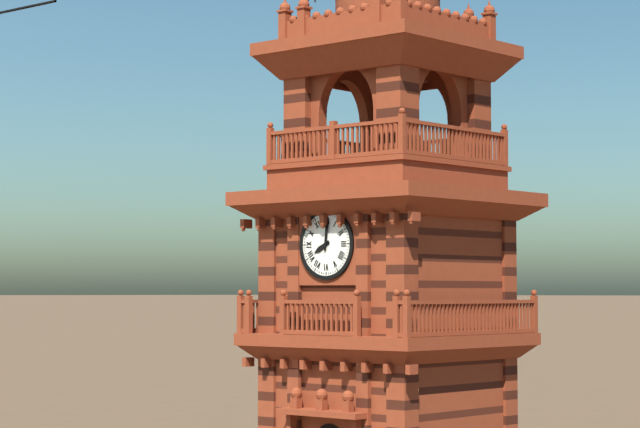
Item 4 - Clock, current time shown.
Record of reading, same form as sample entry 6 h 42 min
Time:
8 h 01 min
